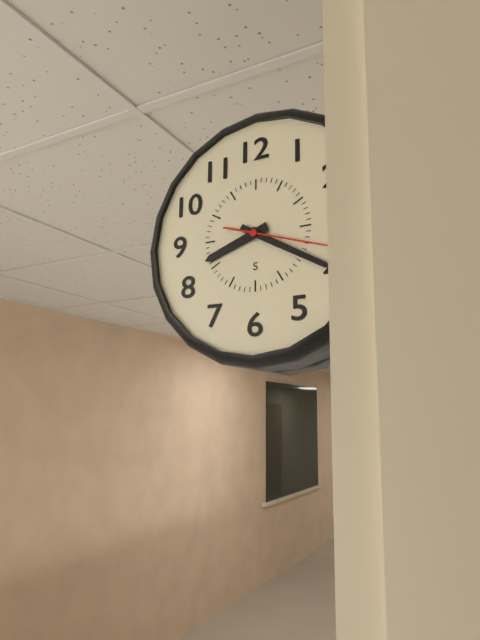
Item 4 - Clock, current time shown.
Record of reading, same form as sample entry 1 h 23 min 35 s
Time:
8 h 20 min 18 s
